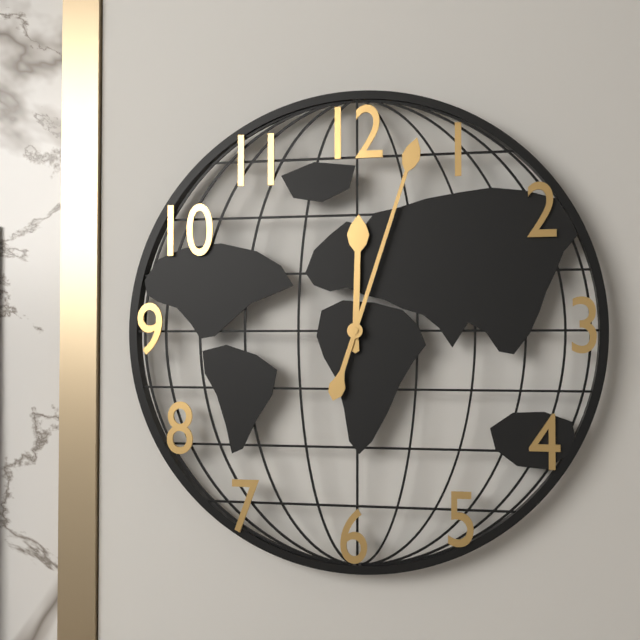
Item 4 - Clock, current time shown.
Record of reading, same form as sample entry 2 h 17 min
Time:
12 h 03 min
